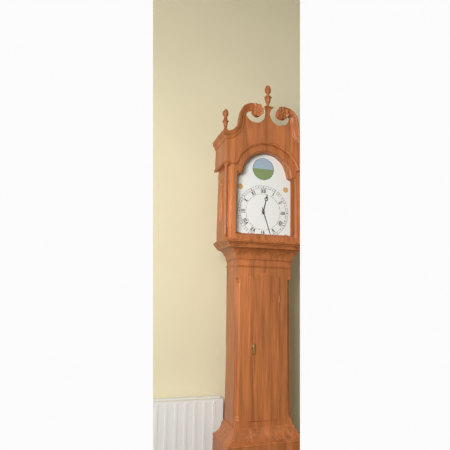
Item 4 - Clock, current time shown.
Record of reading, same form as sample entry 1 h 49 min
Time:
12 h 27 min
